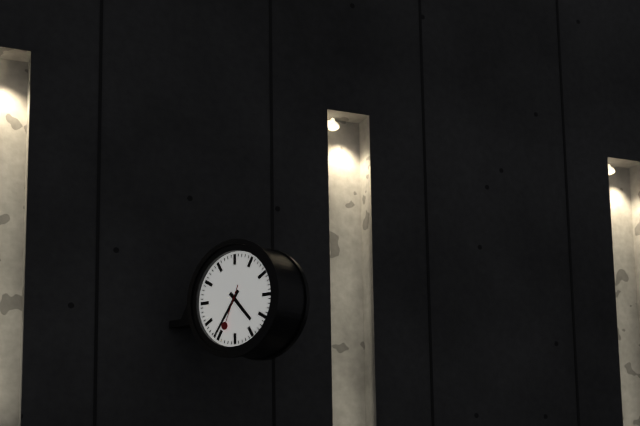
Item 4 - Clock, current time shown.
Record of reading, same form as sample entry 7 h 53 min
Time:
4 h 36 min
